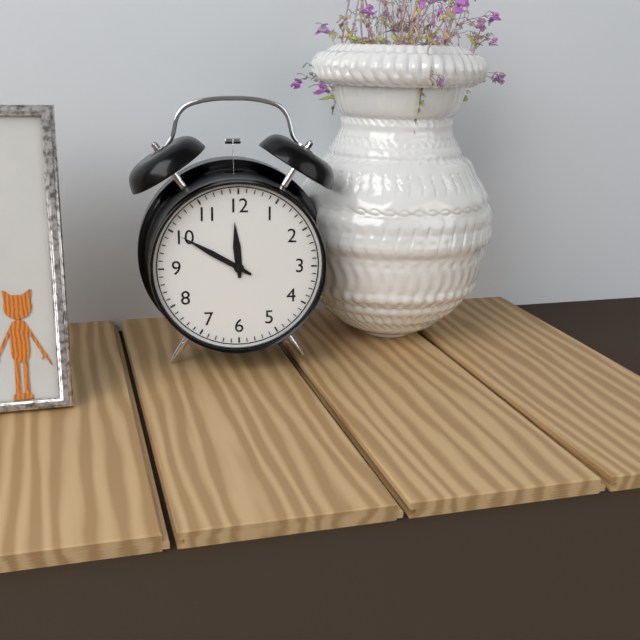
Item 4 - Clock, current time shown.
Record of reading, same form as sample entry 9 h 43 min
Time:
11 h 50 min
